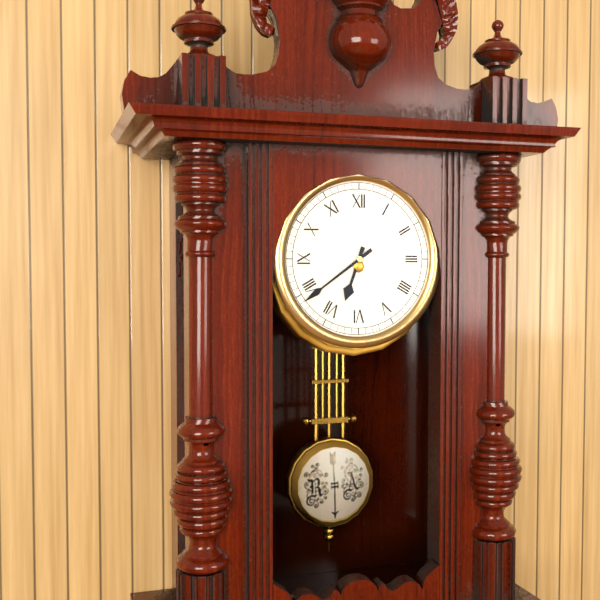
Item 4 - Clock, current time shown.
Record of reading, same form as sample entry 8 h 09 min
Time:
6 h 39 min
